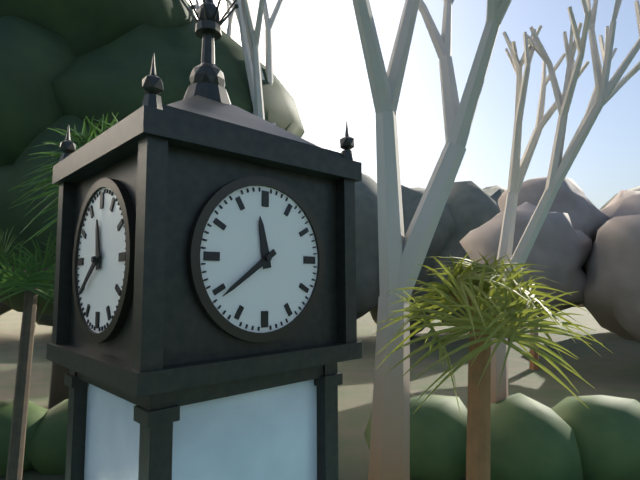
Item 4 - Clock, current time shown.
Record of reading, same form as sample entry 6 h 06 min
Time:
11 h 39 min
